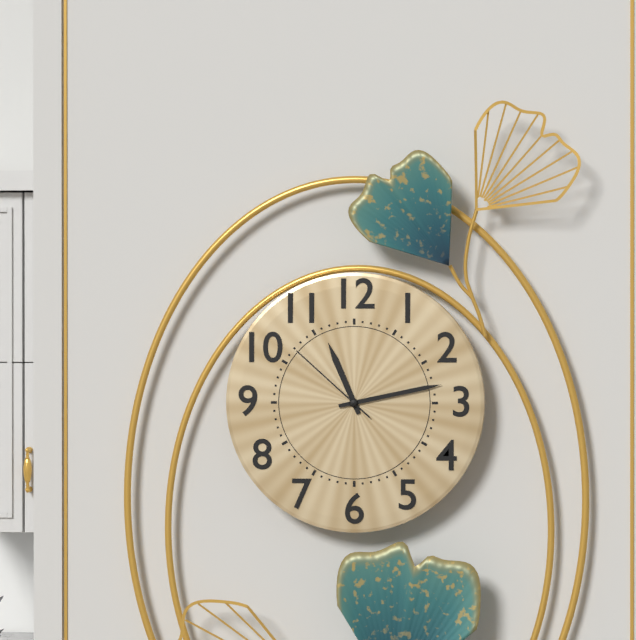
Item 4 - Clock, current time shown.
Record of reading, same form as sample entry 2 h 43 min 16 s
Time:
11 h 13 min 52 s
